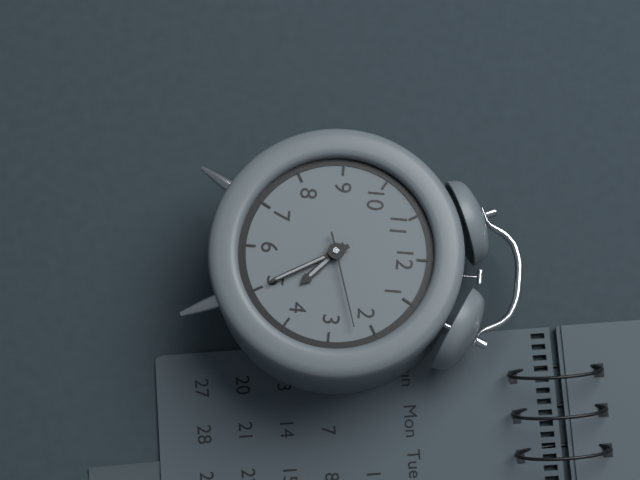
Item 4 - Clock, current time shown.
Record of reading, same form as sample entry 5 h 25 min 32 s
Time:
4 h 25 min 12 s
